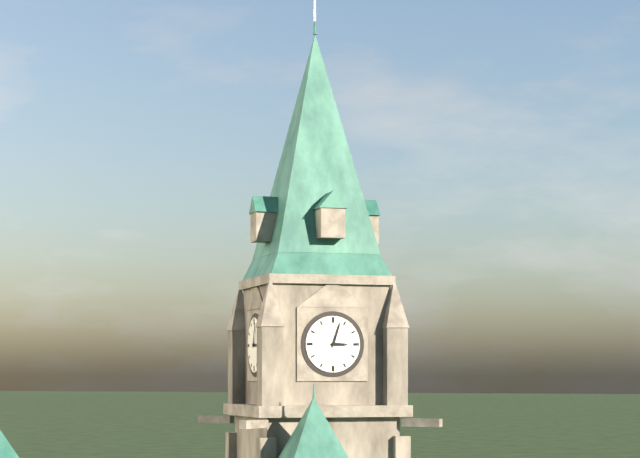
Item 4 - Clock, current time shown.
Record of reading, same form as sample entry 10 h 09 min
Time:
3 h 03 min
